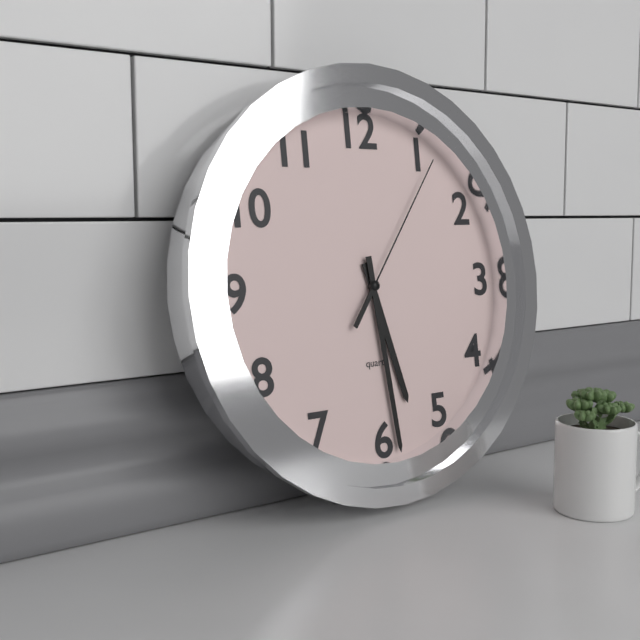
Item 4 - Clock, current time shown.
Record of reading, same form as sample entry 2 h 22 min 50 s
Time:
5 h 29 min 06 s
